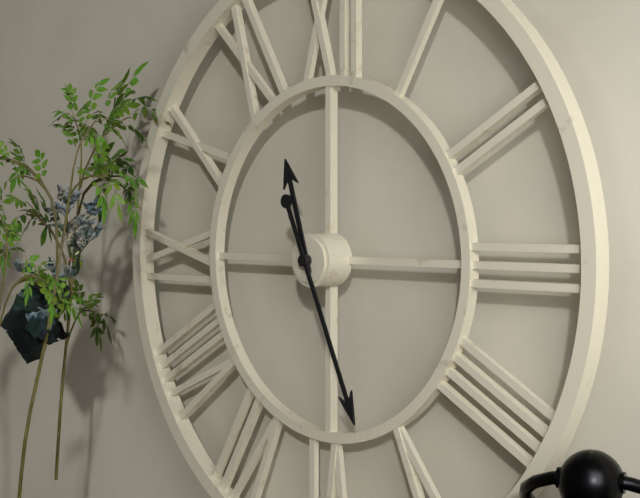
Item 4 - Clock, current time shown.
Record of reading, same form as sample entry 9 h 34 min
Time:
11 h 26 min
